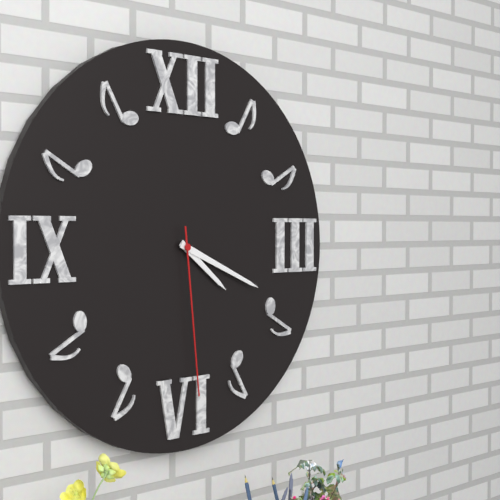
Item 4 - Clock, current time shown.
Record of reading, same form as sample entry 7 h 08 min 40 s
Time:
4 h 19 min 29 s
